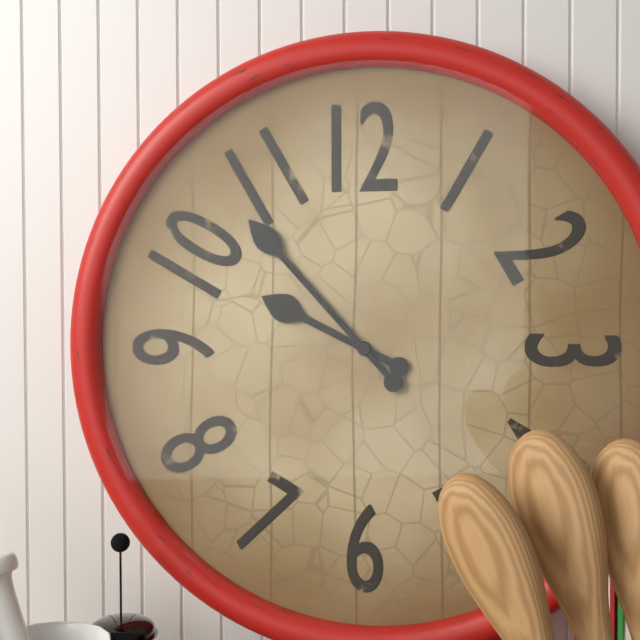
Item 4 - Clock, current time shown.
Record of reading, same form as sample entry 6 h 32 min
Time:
9 h 53 min
